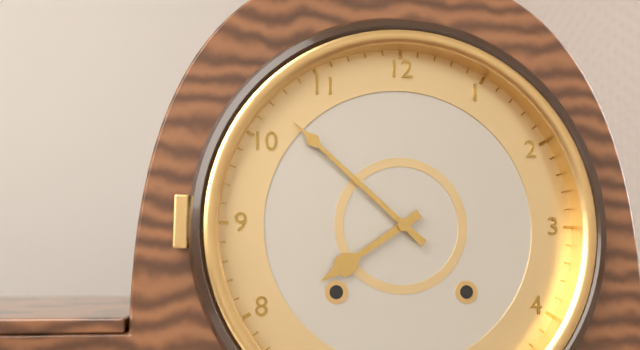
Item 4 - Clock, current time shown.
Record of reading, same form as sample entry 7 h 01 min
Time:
7 h 52 min
